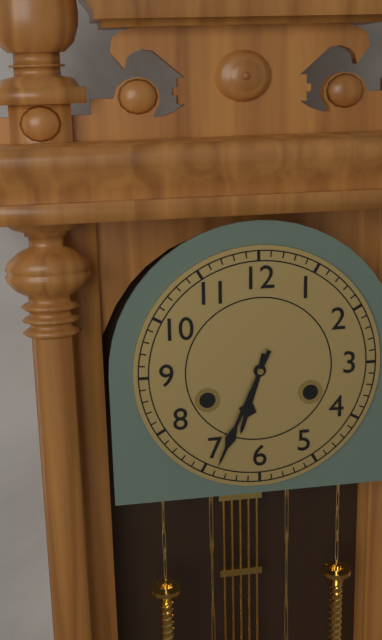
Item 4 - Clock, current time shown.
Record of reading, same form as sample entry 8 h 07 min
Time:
6 h 34 min
